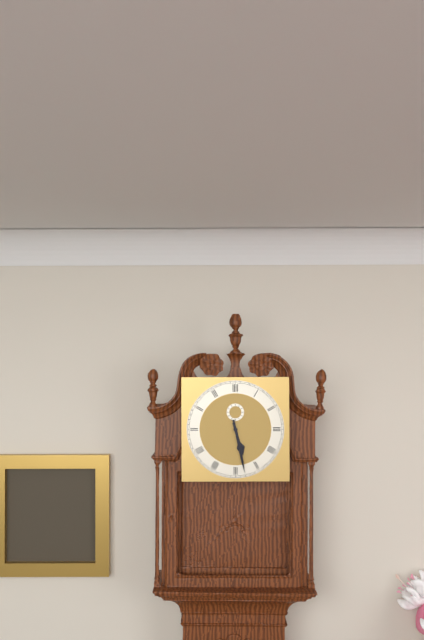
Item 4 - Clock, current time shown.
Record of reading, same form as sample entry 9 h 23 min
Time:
5 h 28 min
